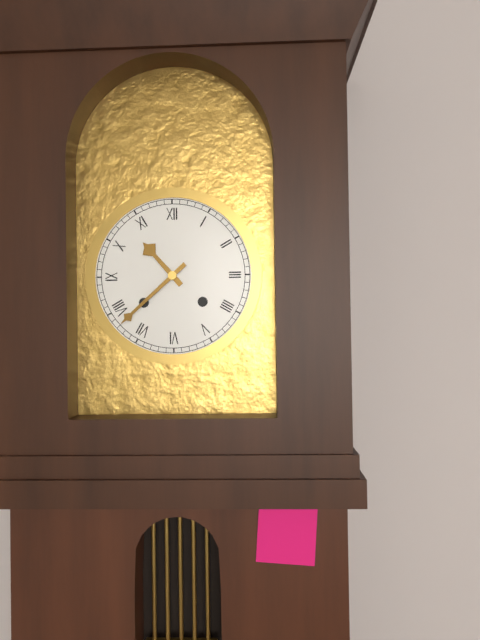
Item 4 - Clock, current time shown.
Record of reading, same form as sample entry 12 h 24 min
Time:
10 h 38 min
